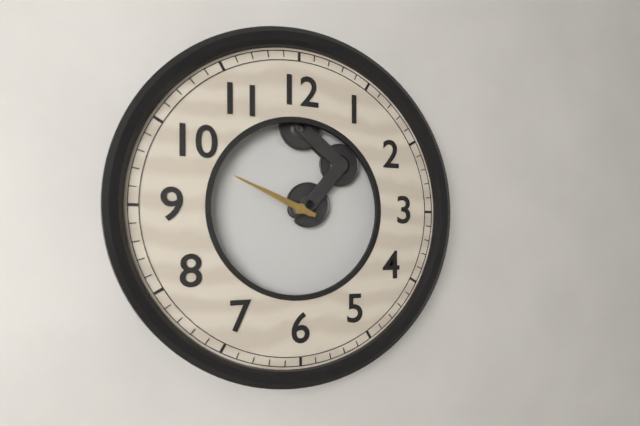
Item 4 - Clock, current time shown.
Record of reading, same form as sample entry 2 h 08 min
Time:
9 h 49 min
